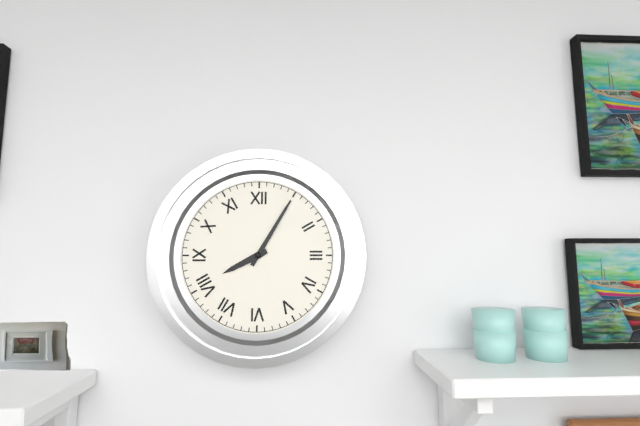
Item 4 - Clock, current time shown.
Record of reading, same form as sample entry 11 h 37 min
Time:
8 h 05 min
